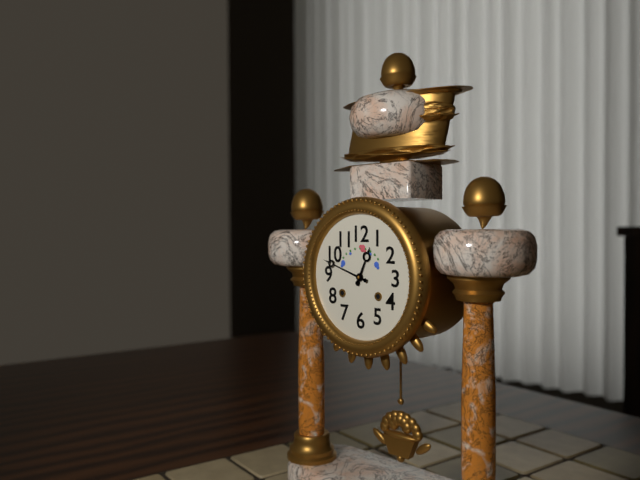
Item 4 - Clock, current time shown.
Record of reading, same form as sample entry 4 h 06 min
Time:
12 h 48 min
